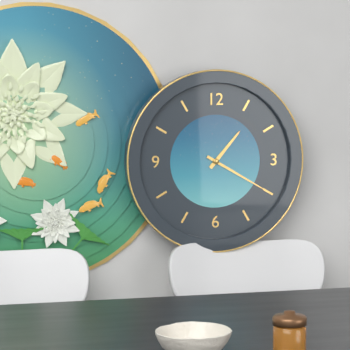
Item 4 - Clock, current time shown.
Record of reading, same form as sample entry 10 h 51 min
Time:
1 h 20 min
